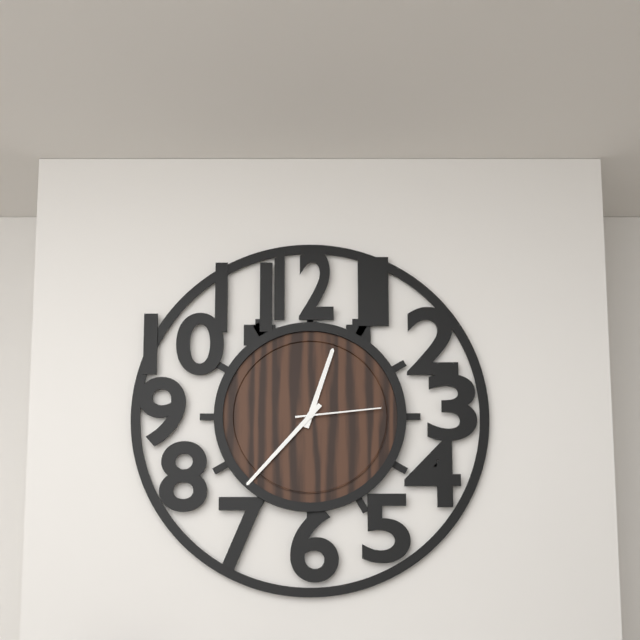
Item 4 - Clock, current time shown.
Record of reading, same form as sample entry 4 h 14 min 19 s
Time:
12 h 37 min 14 s
